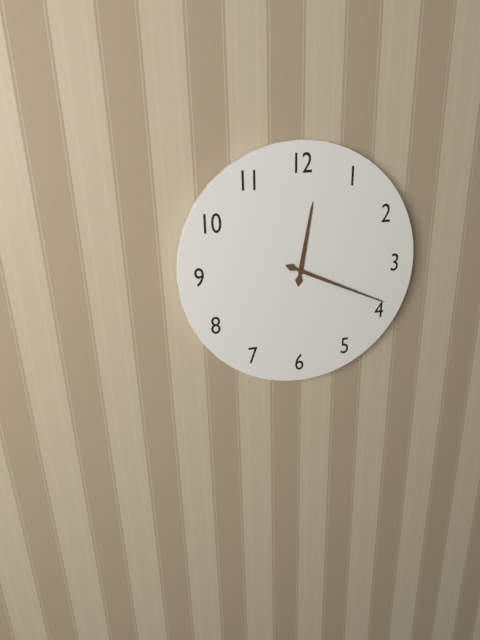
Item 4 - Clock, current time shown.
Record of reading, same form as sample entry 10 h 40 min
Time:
12 h 19 min
